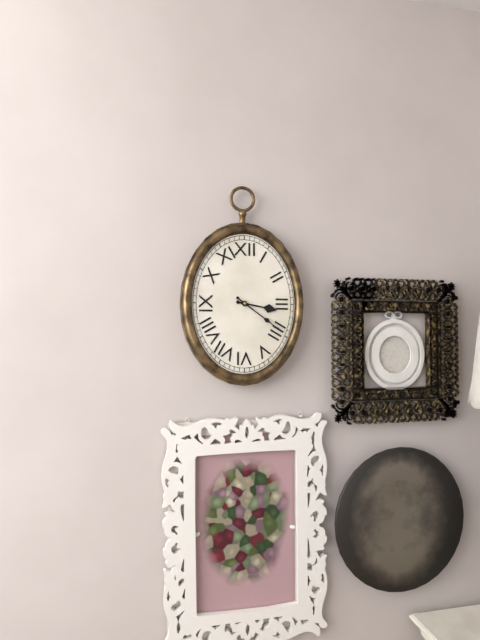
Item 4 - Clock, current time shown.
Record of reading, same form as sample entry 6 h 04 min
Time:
3 h 21 min
